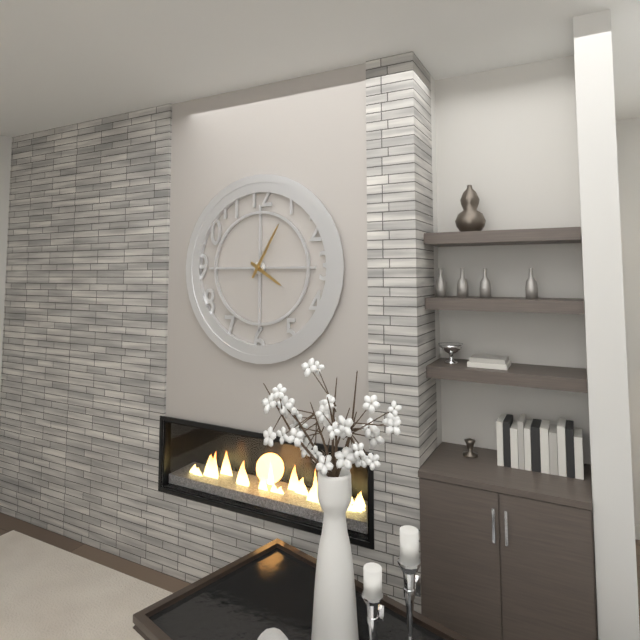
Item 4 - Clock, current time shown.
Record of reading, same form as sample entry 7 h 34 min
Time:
4 h 05 min
